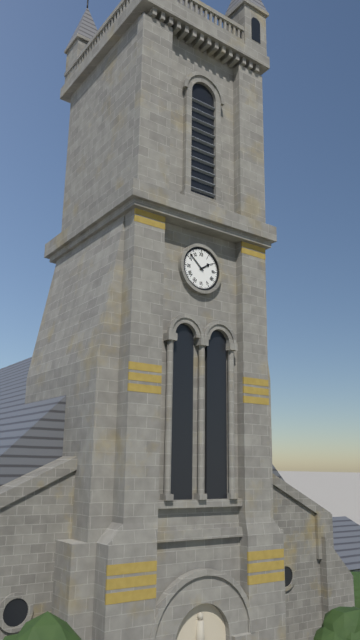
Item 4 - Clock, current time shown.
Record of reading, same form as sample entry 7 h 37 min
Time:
1 h 52 min
